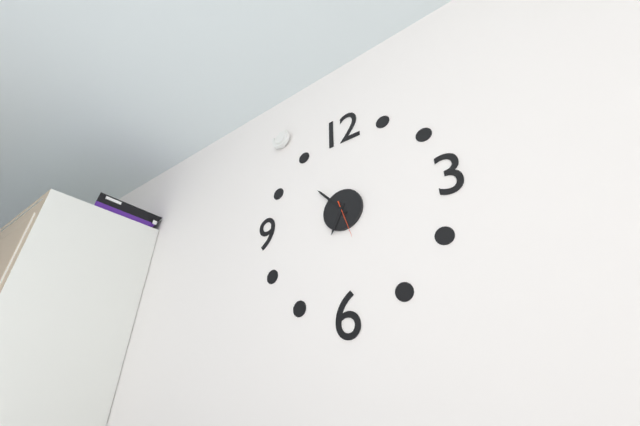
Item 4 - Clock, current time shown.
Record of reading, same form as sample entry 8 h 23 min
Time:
6 h 53 min
